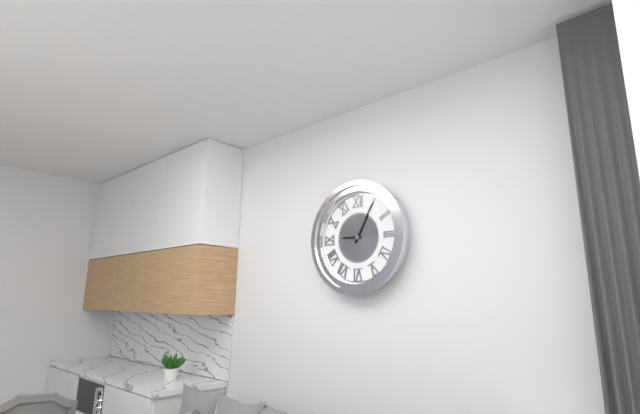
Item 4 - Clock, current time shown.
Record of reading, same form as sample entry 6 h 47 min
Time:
9 h 05 min
